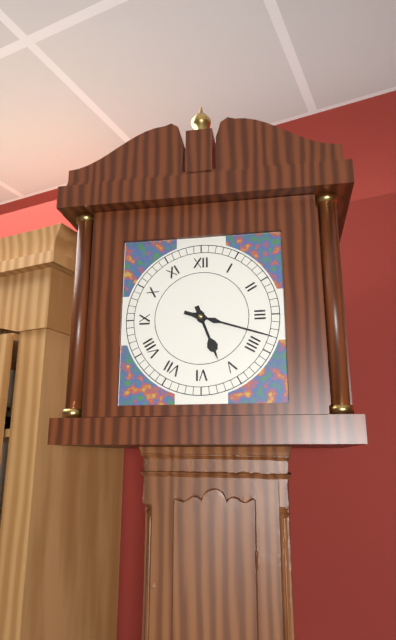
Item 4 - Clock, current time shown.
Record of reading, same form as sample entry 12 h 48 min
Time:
5 h 18 min
